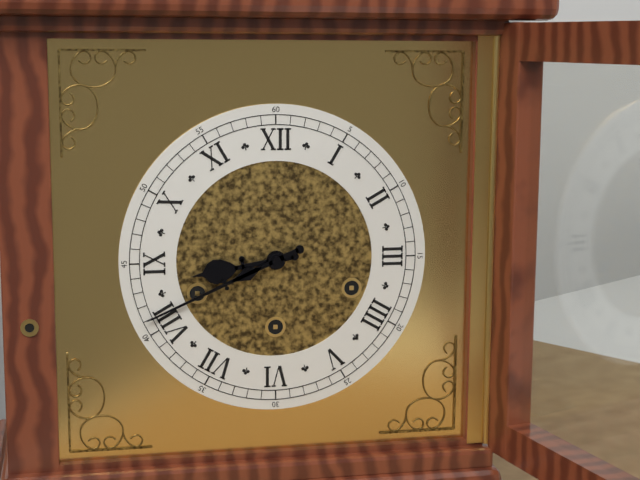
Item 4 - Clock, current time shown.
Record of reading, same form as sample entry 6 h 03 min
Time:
8 h 41 min
